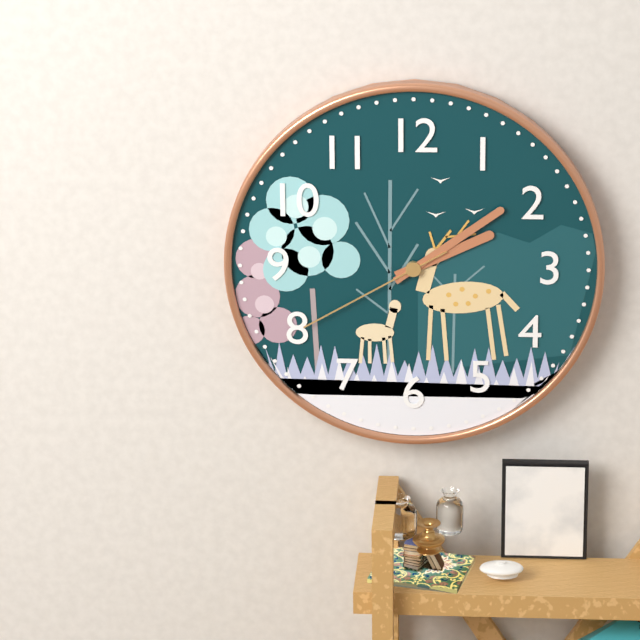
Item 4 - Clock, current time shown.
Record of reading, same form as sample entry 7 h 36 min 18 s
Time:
2 h 09 min 40 s
